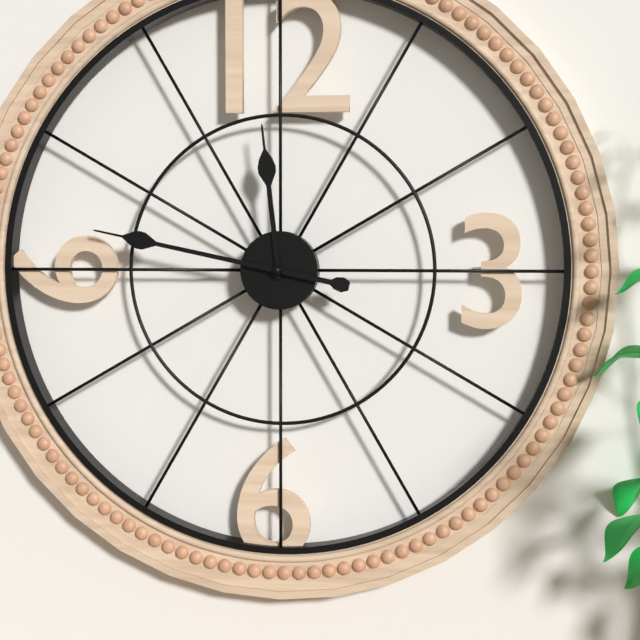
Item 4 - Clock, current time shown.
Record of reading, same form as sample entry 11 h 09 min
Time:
11 h 47 min
